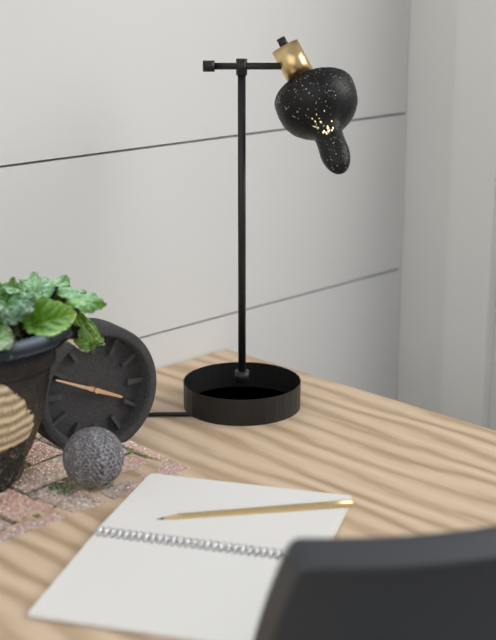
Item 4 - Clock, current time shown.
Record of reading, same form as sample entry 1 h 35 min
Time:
3 h 49 min
